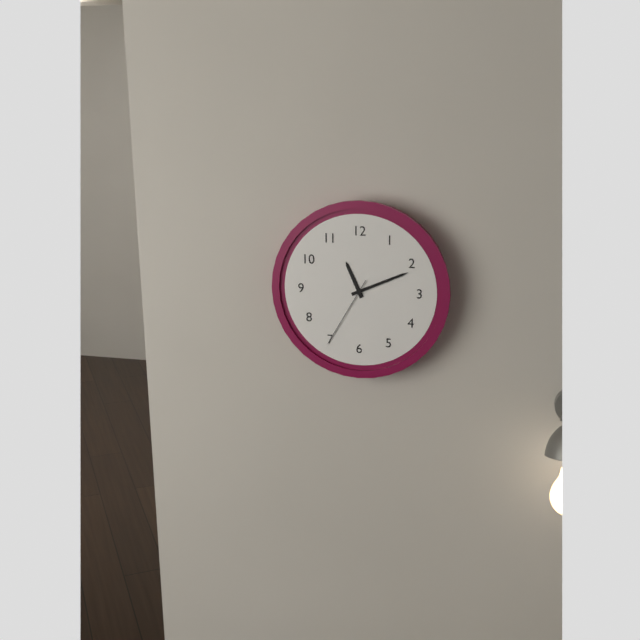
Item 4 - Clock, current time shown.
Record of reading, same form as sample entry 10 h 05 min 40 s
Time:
11 h 11 min 35 s
